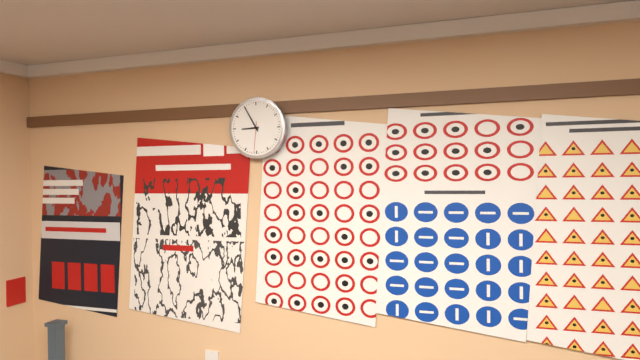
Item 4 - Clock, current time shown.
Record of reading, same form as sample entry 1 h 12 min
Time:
8 h 55 min
